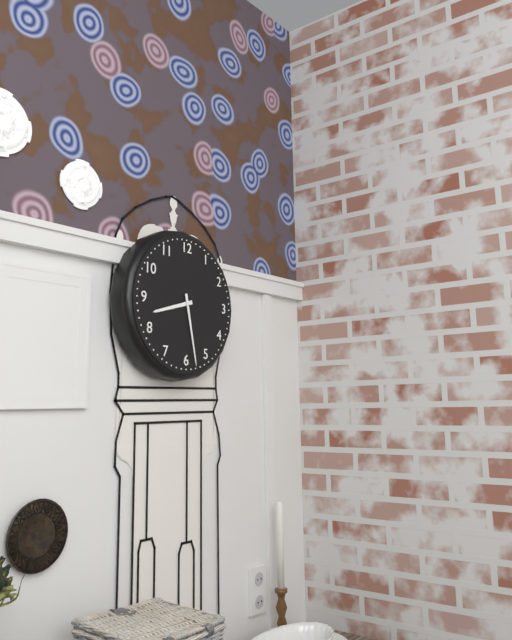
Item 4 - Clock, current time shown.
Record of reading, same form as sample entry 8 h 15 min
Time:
8 h 28 min
